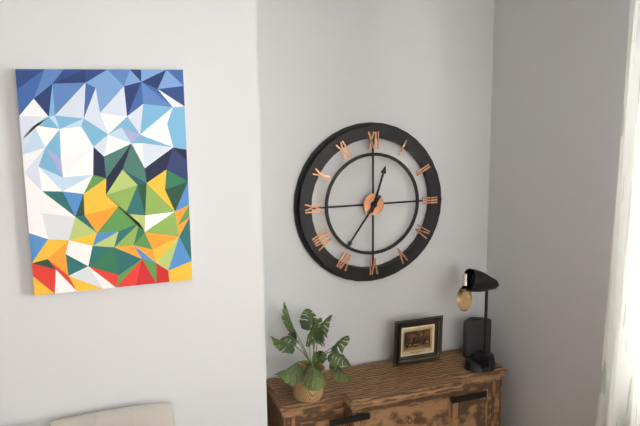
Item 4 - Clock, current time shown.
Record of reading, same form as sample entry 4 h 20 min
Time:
12 h 36 min
